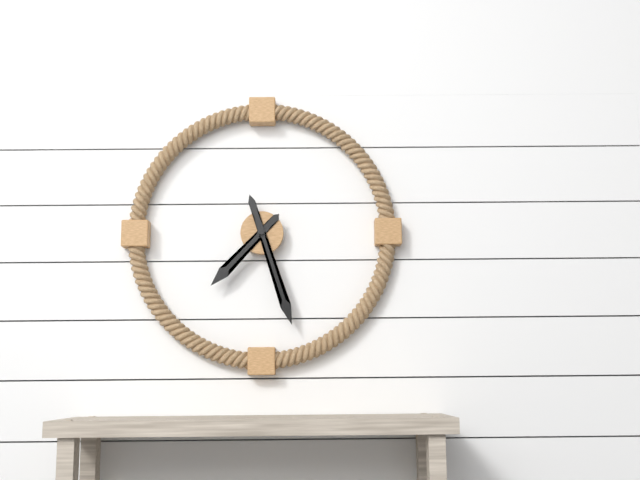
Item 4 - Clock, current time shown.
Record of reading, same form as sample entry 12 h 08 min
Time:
7 h 27 min
